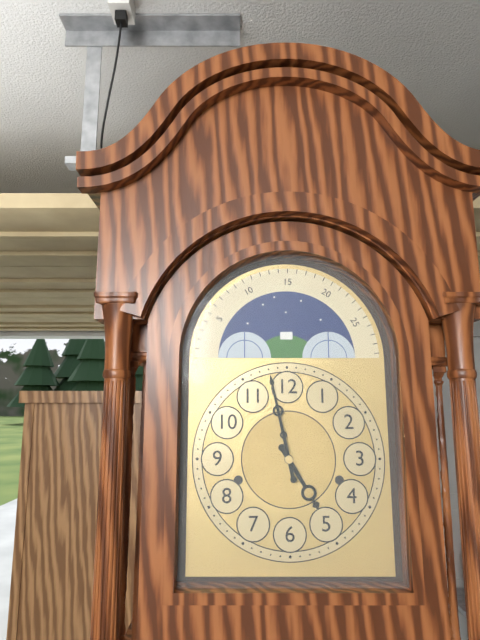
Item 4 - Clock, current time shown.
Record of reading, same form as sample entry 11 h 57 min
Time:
4 h 58 min
